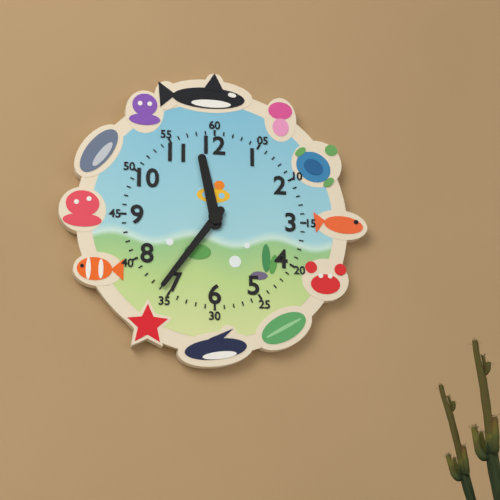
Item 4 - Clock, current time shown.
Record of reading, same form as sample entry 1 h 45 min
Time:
11 h 36 min
